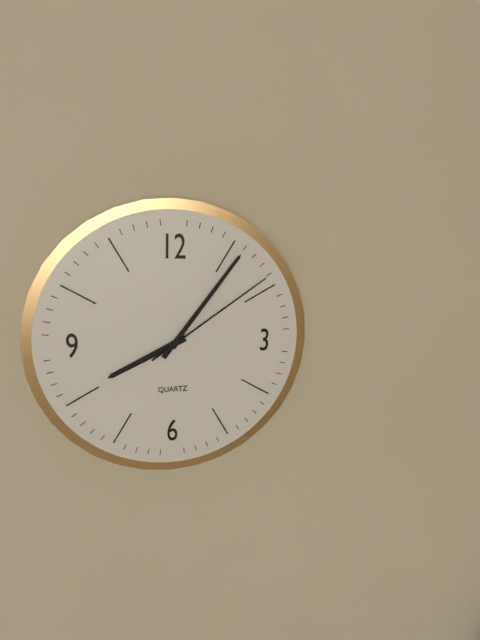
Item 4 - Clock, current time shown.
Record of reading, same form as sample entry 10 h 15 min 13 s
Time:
8 h 06 min 09 s
